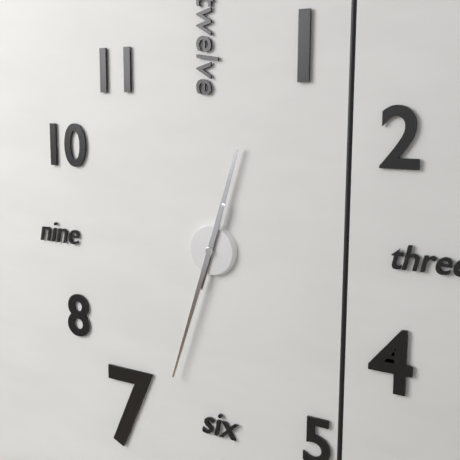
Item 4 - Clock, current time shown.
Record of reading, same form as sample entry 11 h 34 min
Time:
12 h 33 min
